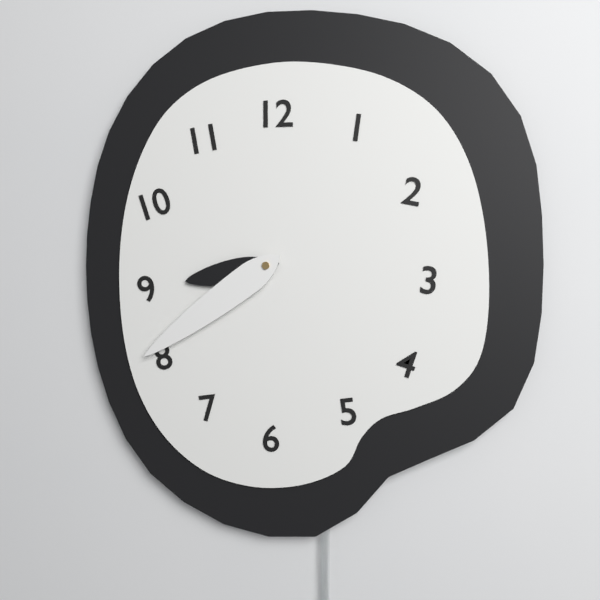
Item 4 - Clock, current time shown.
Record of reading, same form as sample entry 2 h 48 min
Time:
8 h 39 min
